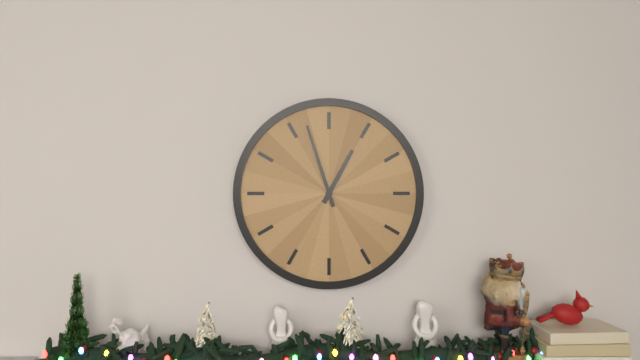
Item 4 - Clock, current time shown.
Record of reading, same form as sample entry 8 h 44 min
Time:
12 h 57 min
